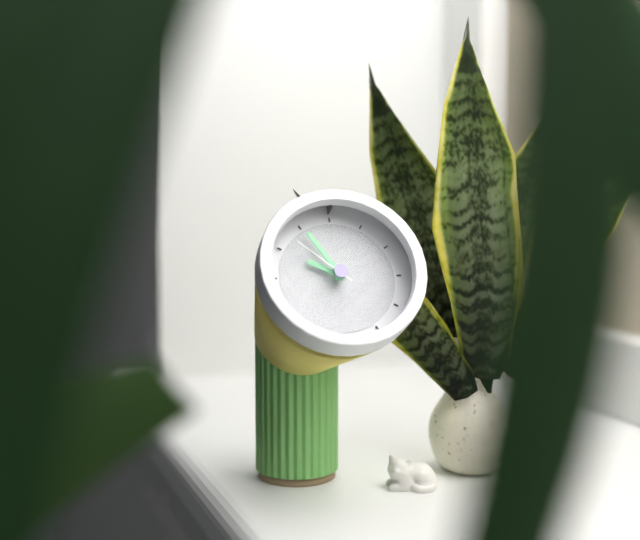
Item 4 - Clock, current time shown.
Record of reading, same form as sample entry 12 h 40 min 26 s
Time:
9 h 55 min 52 s
